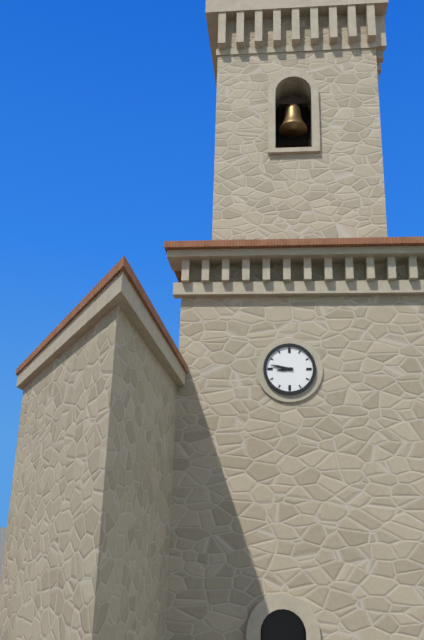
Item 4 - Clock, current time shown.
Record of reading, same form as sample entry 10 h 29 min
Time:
8 h 47 min
